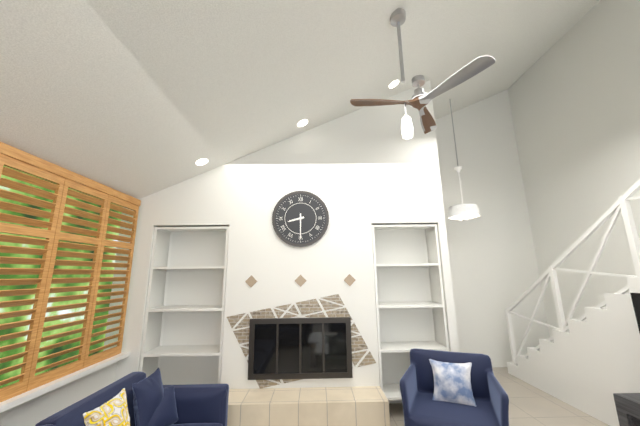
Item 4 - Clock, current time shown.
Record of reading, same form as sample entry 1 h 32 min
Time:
8 h 30 min
